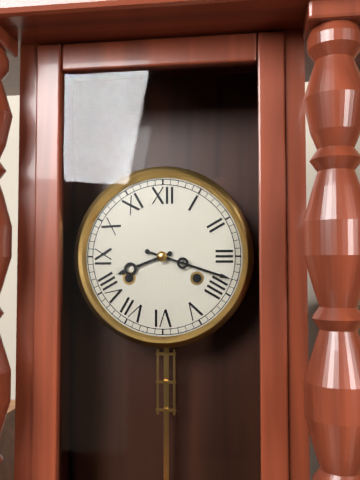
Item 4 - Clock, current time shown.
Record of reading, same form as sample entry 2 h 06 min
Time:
8 h 18 min
